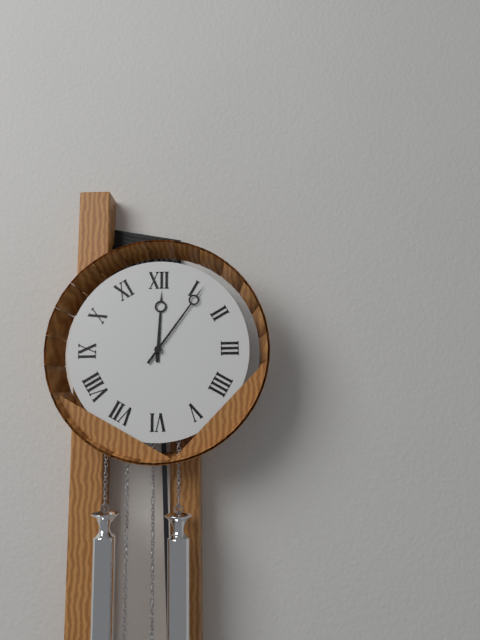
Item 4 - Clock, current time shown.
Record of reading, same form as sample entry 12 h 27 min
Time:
12 h 06 min
